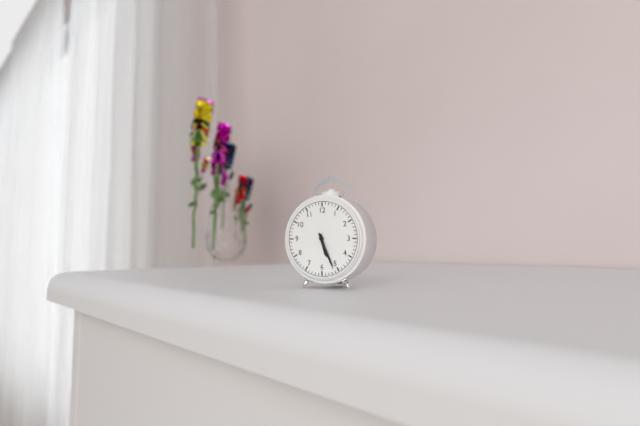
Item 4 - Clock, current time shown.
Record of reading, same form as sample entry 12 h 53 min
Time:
5 h 26 min
